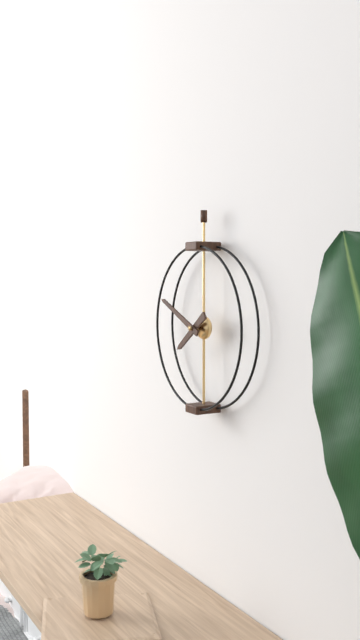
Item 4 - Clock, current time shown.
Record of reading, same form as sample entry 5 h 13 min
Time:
7 h 49 min
